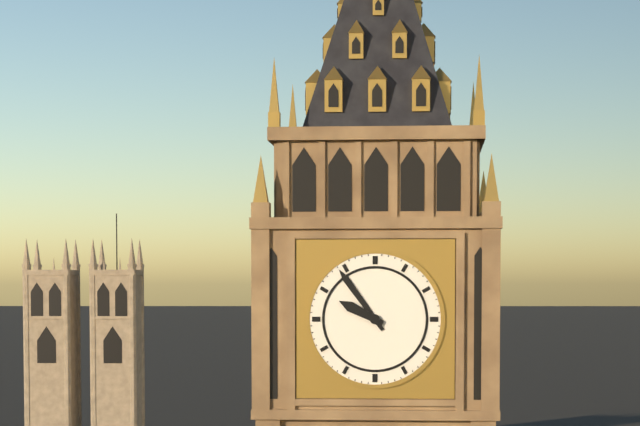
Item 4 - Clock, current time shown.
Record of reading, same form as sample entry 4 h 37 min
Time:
9 h 54 min
